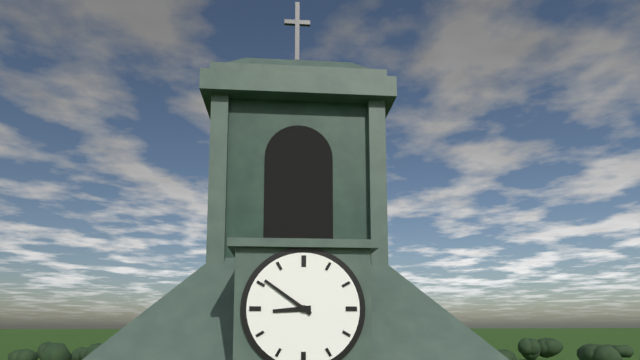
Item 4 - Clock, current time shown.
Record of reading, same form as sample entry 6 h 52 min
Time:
8 h 51 min
